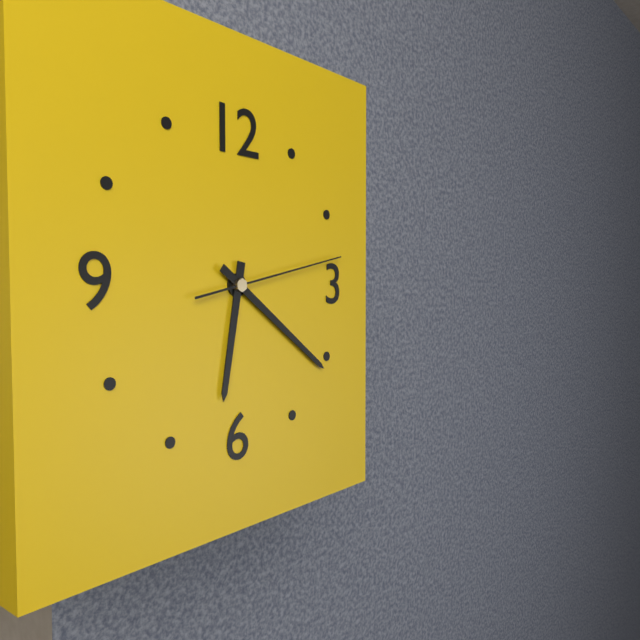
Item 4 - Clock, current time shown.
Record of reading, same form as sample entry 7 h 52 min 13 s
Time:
6 h 21 min 13 s
